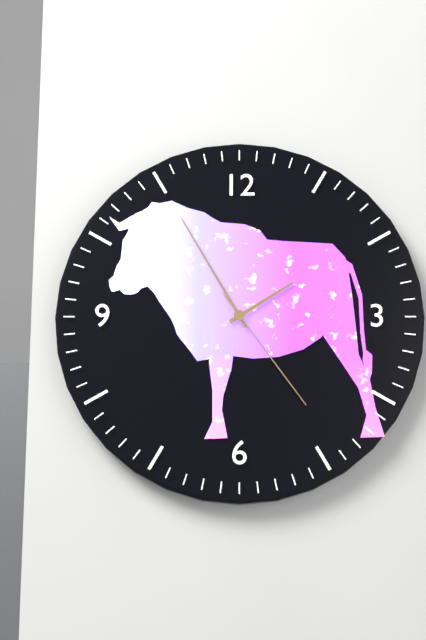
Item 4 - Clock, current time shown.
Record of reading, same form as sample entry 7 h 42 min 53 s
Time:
1 h 55 min 24 s
